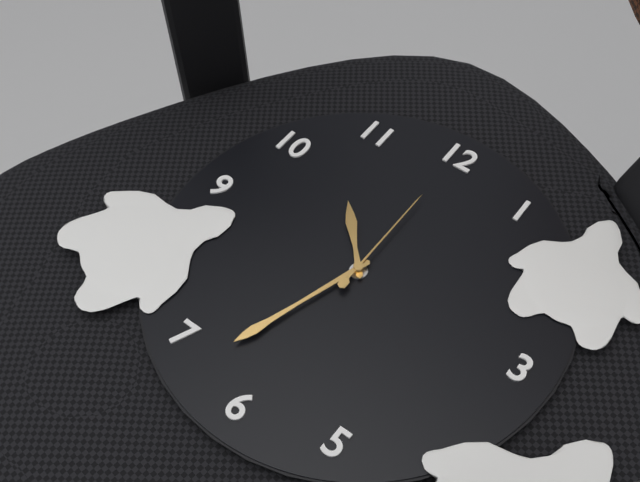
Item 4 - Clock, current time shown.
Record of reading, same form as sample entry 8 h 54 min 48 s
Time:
10 h 33 min 00 s
